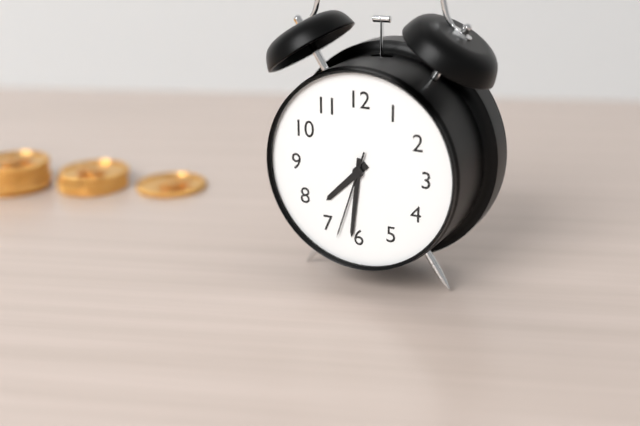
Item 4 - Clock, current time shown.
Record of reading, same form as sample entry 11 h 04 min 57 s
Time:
7 h 31 min 33 s
